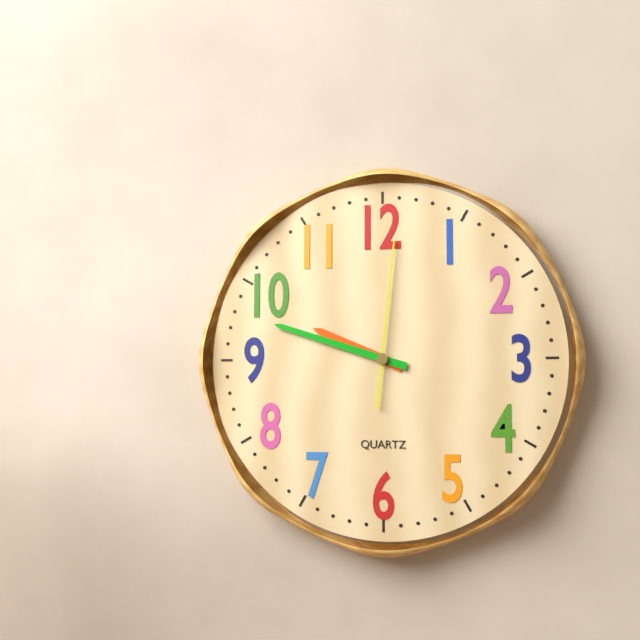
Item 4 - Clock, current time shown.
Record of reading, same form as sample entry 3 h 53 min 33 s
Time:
9 h 48 min 01 s
